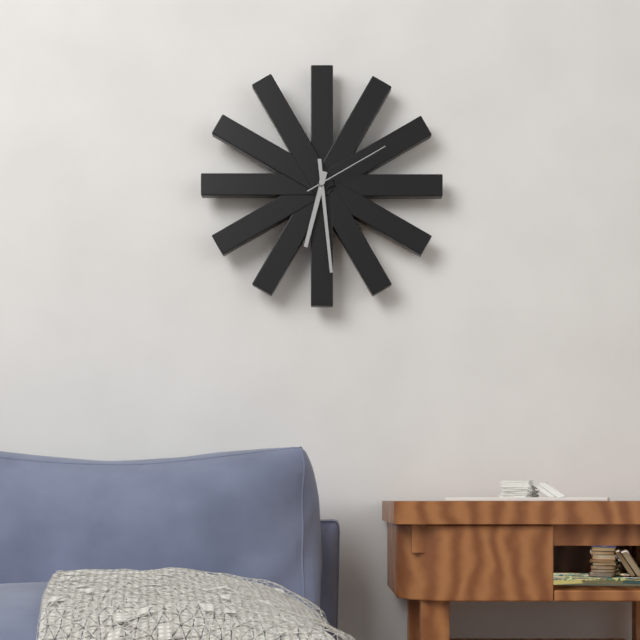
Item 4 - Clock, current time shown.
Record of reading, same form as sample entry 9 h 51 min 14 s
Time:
6 h 29 min 10 s
